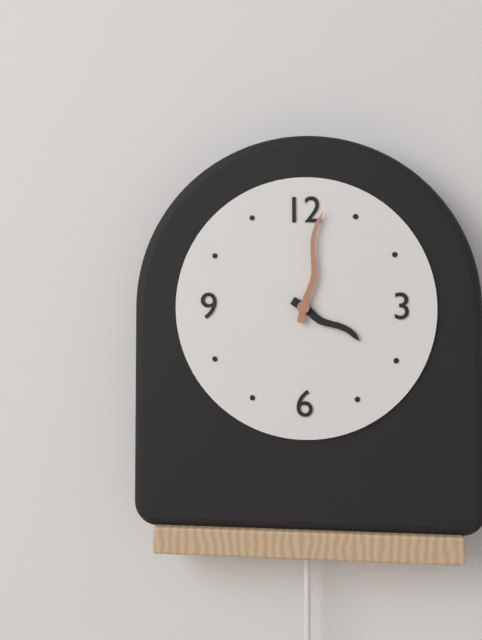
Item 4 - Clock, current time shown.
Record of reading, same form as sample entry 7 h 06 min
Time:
4 h 02 min
